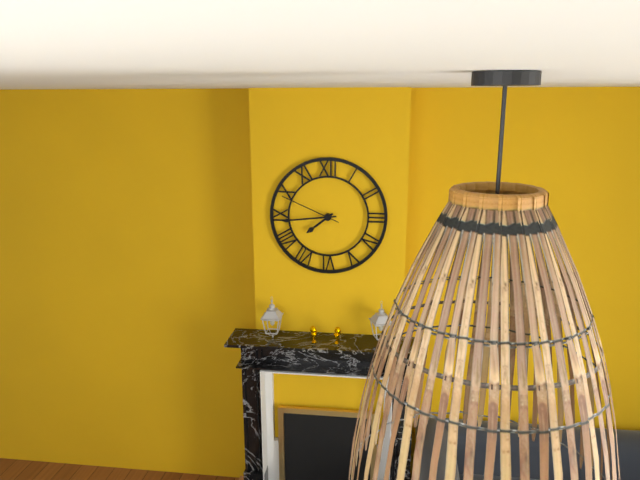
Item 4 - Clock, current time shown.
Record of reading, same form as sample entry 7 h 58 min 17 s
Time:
7 h 44 min 49 s
